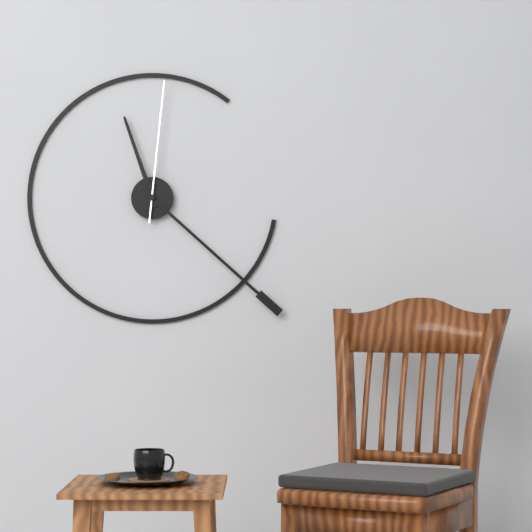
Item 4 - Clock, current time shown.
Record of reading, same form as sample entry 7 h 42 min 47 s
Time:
11 h 22 min 01 s
